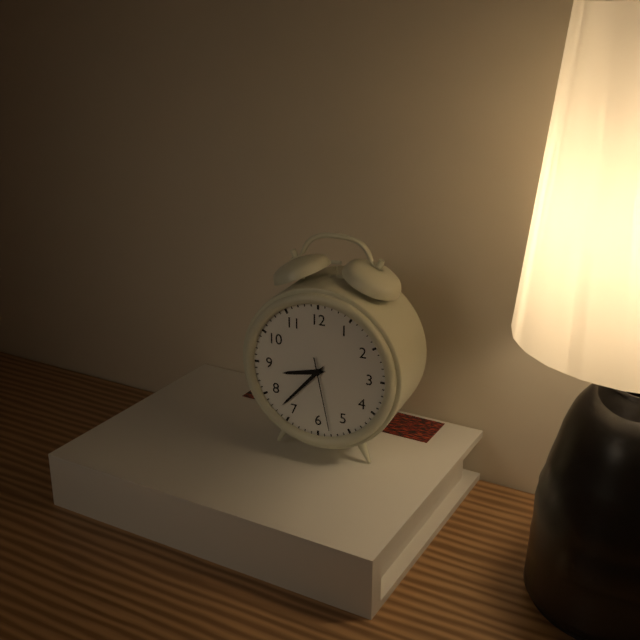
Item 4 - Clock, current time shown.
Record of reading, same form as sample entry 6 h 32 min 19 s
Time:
8 h 37 min 28 s
